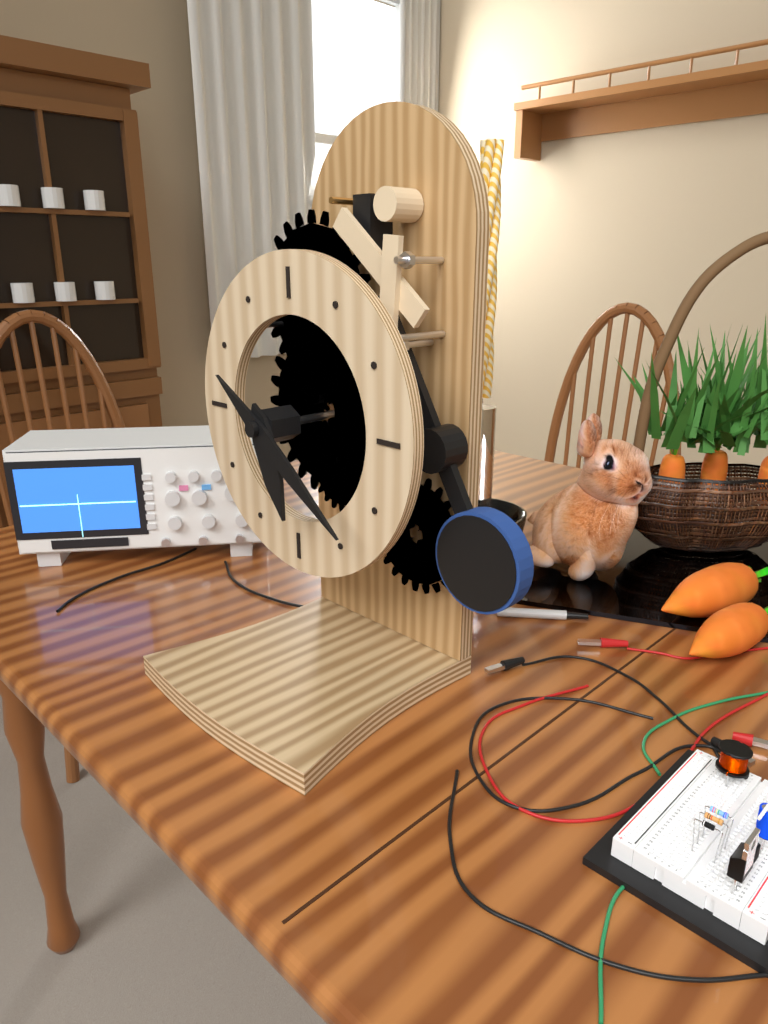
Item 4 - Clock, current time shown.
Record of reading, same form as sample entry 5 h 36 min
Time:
5 h 21 min
